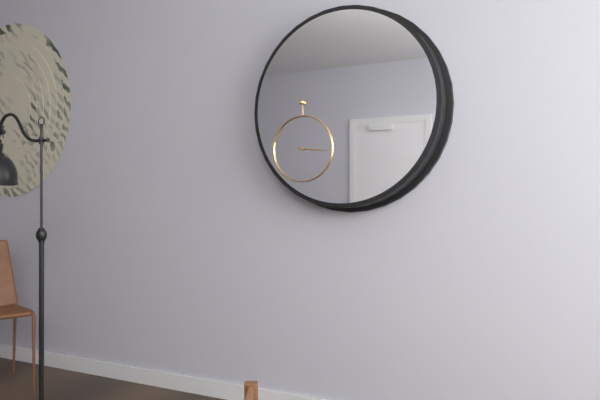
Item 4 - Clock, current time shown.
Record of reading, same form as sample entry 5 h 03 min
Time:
3 h 16 min
